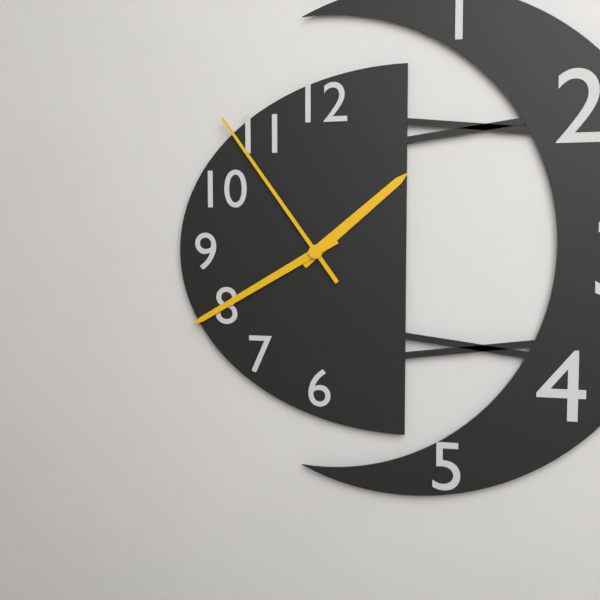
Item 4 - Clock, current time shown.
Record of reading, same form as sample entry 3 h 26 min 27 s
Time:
1 h 40 min 54 s
